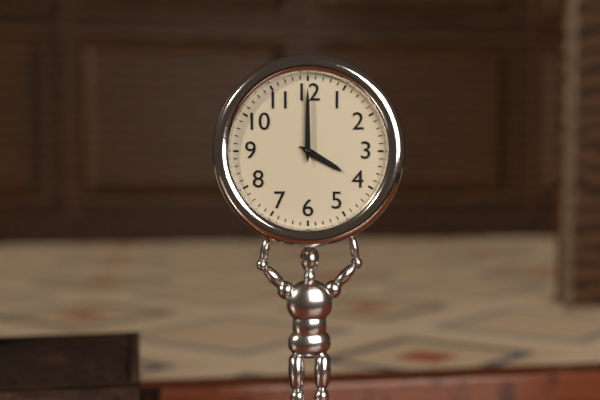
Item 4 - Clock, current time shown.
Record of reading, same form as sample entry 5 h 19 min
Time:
4 h 00 min
